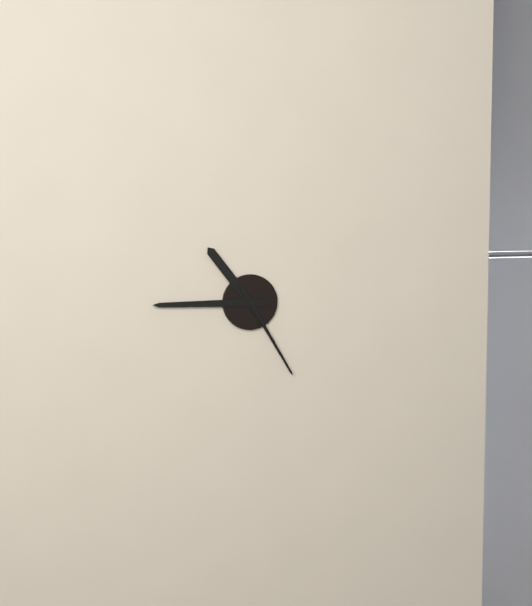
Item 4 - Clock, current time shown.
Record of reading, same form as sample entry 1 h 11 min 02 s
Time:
10 h 45 min 25 s
